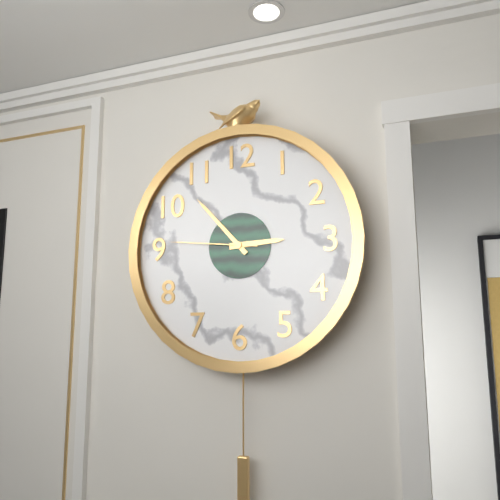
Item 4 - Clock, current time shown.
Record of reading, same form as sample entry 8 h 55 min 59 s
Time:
2 h 53 min 46 s
